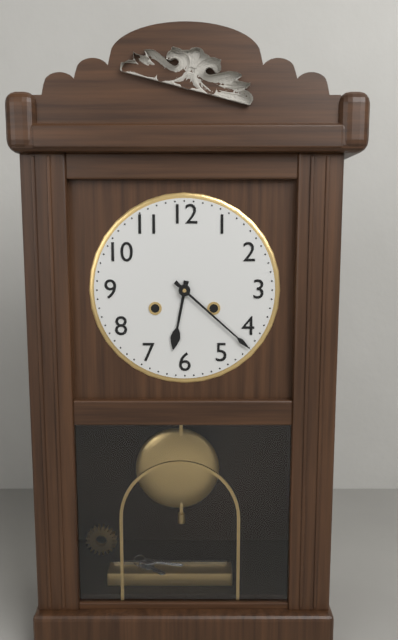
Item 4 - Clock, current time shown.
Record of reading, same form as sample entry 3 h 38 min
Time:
6 h 22 min
